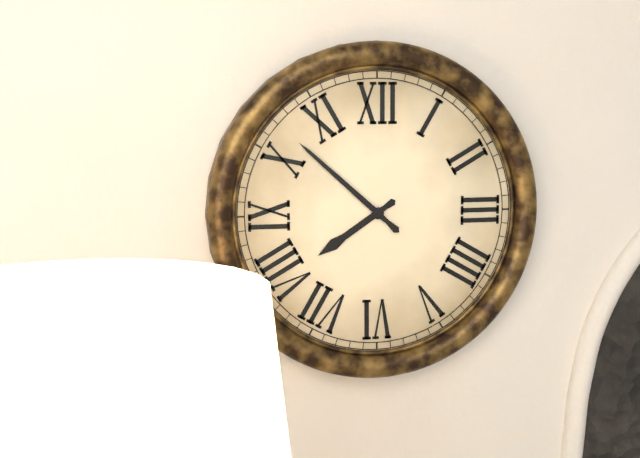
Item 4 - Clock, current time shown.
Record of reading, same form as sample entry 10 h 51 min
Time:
7 h 52 min
